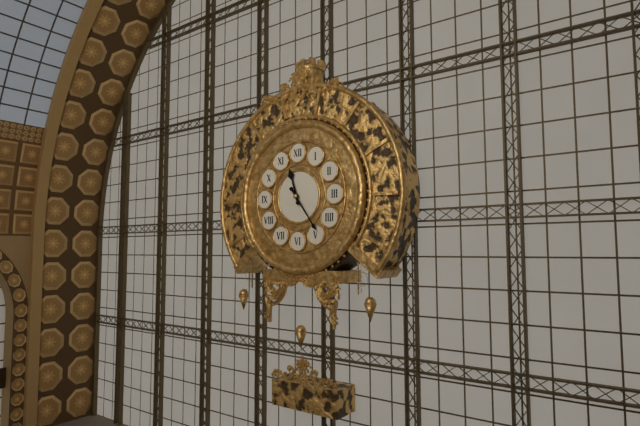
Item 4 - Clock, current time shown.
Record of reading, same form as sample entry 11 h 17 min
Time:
11 h 24 min
